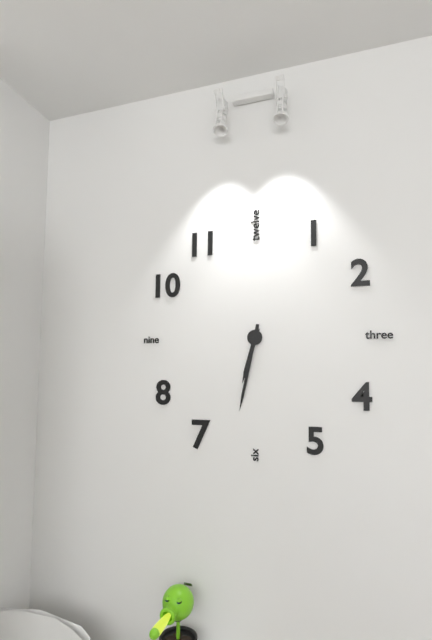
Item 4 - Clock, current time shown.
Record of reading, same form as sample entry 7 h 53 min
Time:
6 h 32 min
